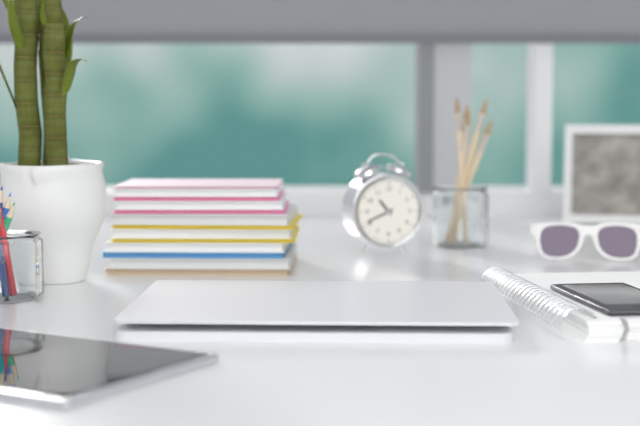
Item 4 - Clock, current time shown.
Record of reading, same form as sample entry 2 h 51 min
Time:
10 h 41 min
